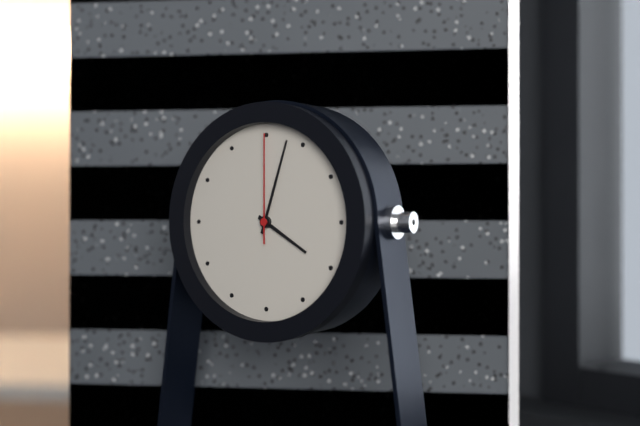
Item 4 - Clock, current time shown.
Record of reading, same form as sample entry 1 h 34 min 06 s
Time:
4 h 03 min 00 s
